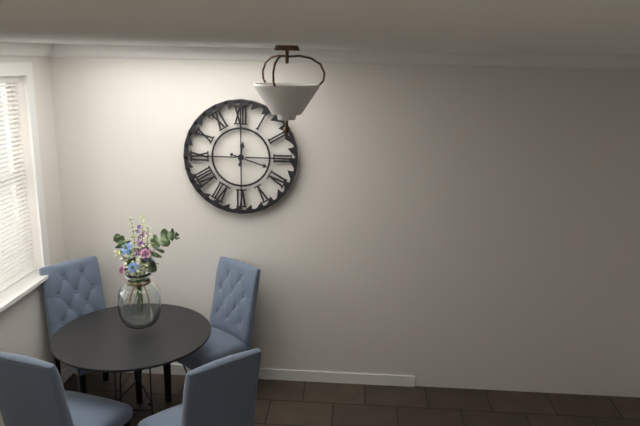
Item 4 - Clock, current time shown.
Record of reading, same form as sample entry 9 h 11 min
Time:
12 h 18 min
